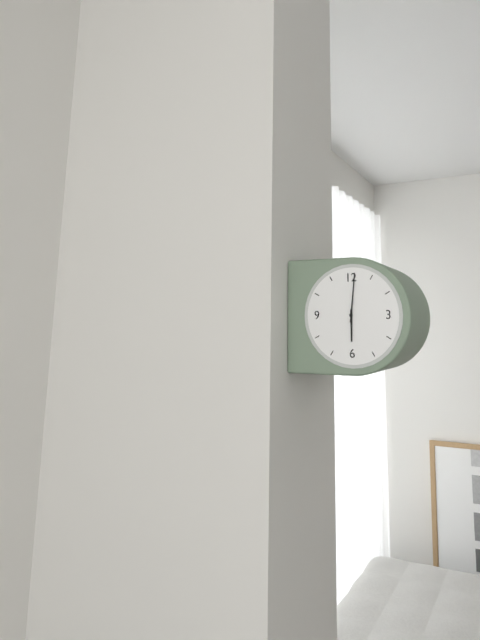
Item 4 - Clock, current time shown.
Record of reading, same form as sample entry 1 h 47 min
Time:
6 h 01 min
